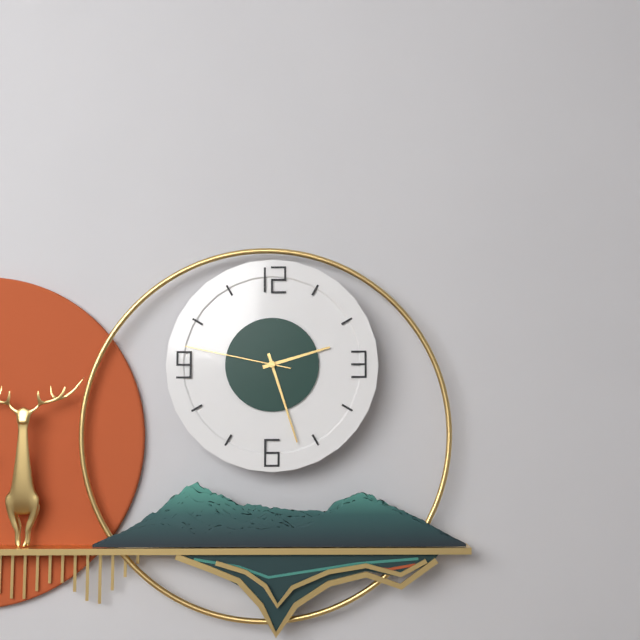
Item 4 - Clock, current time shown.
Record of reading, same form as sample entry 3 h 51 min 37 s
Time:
2 h 27 min 47 s
